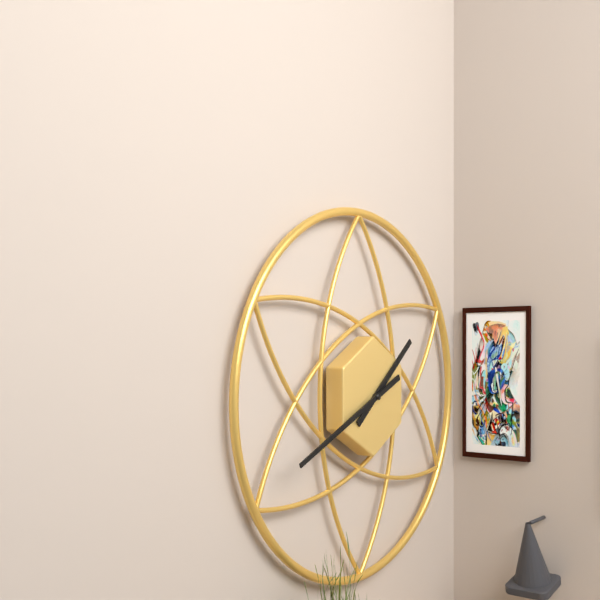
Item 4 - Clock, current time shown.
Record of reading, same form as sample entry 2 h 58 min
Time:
1 h 41 min
